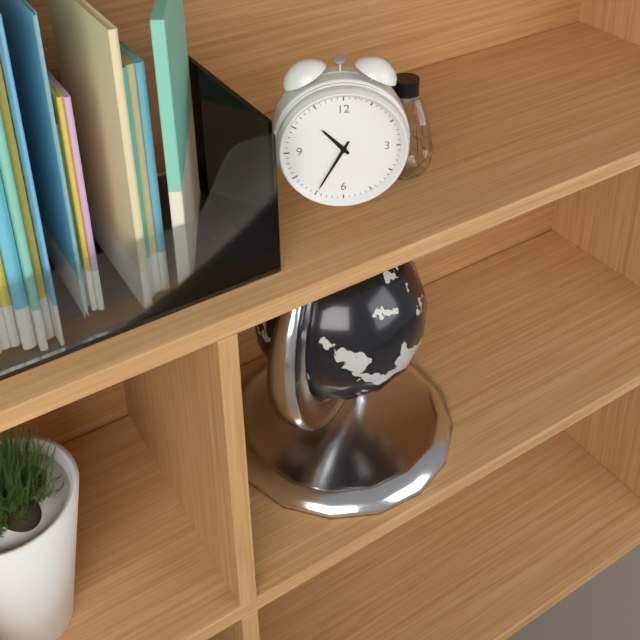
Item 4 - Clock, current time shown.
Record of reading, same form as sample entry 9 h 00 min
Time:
10 h 35 min
